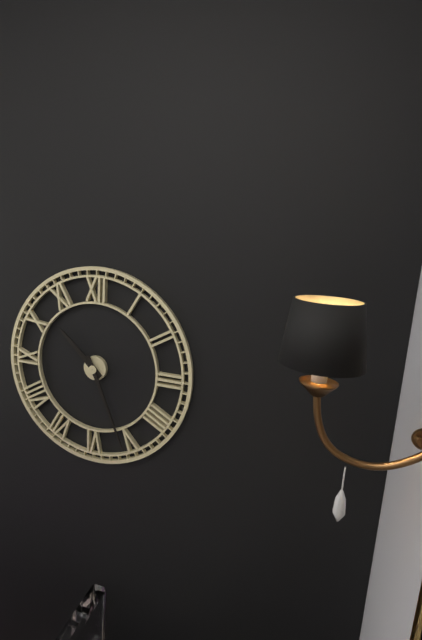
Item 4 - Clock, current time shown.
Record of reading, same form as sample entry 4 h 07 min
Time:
10 h 26 min
